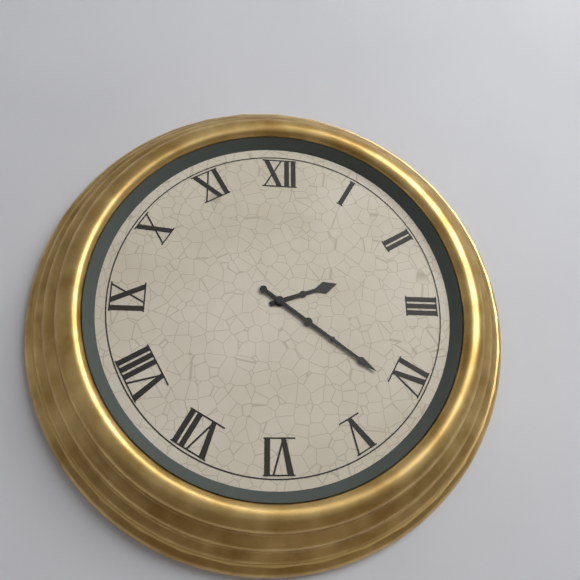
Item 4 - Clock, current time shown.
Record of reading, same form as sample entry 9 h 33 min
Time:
2 h 21 min
